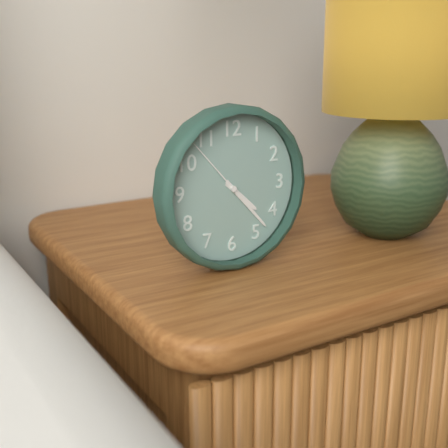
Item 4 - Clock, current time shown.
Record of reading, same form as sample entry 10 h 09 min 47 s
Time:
4 h 23 min 53 s
